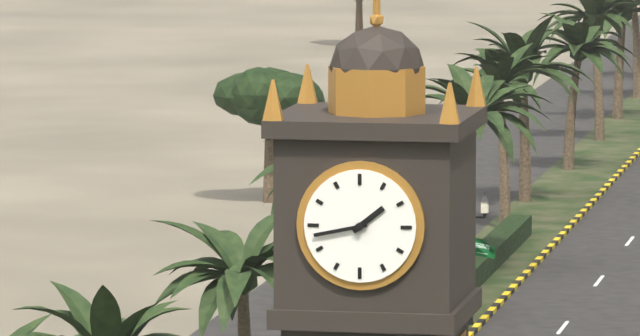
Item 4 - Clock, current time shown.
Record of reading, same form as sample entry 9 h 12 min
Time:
1 h 43 min
